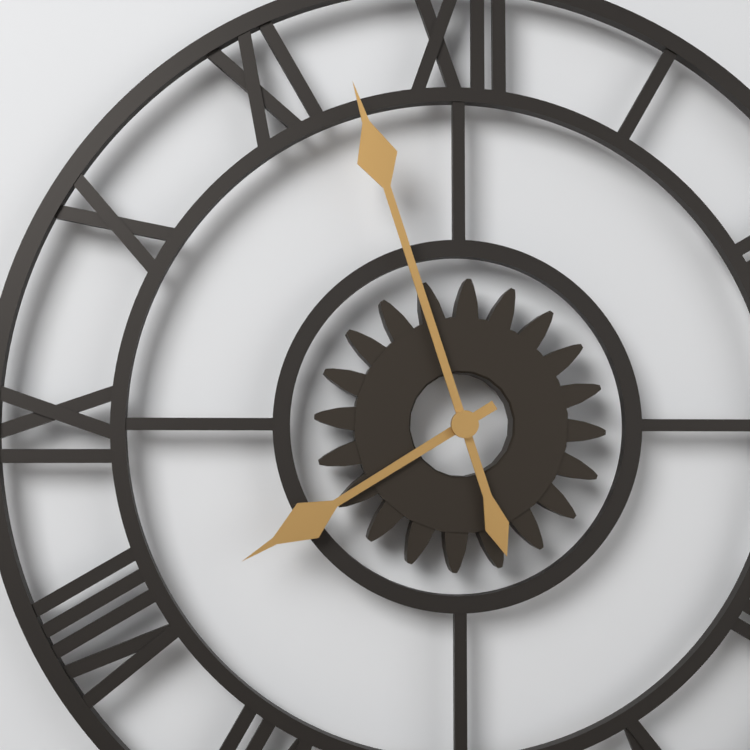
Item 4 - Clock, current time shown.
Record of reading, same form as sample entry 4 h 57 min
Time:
7 h 57 min
